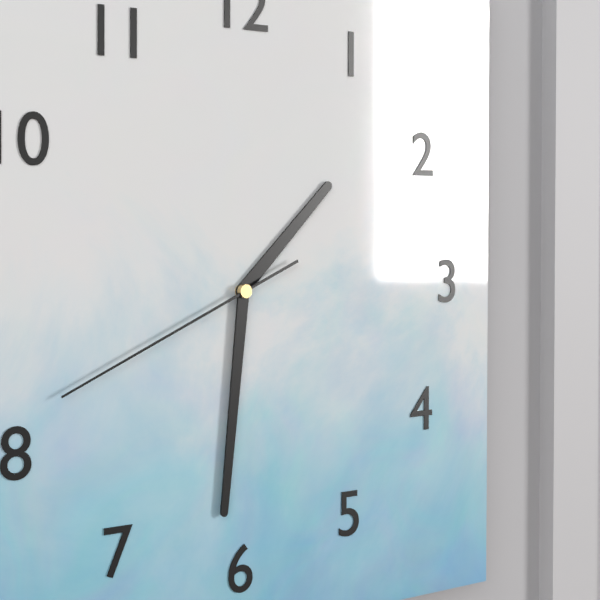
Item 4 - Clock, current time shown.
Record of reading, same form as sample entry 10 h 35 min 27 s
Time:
1 h 31 min 41 s
